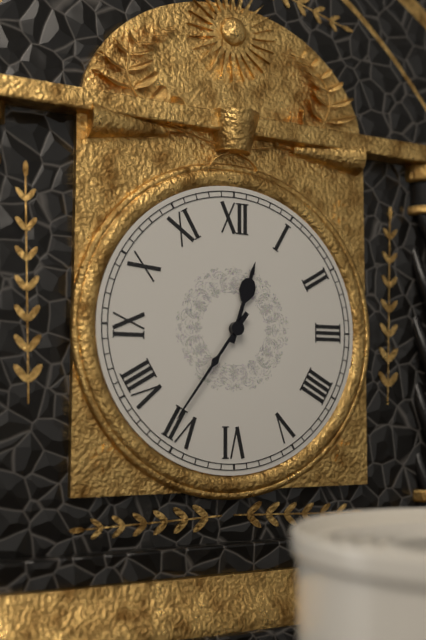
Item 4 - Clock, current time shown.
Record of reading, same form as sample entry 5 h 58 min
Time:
12 h 36 min
